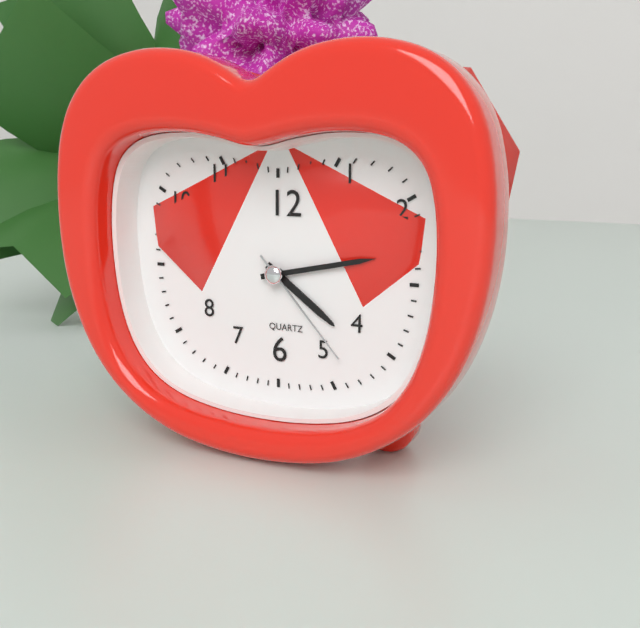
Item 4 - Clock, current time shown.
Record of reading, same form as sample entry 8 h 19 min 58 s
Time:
4 h 13 min 23 s
